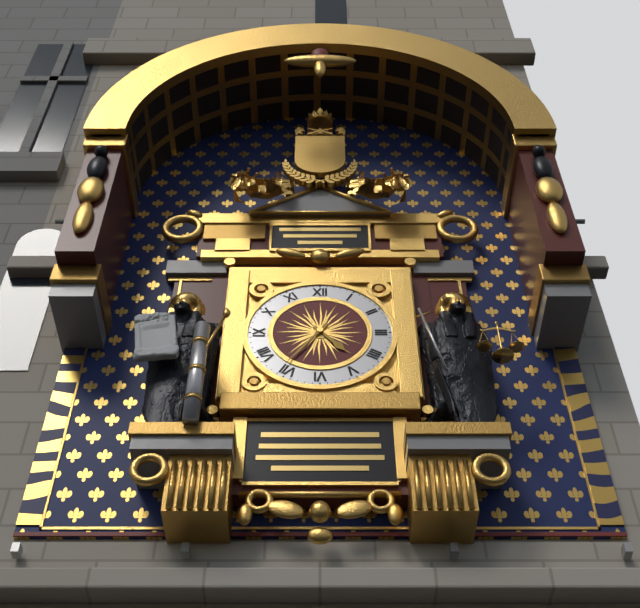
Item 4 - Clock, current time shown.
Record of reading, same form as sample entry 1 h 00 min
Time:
4 h 36 min
